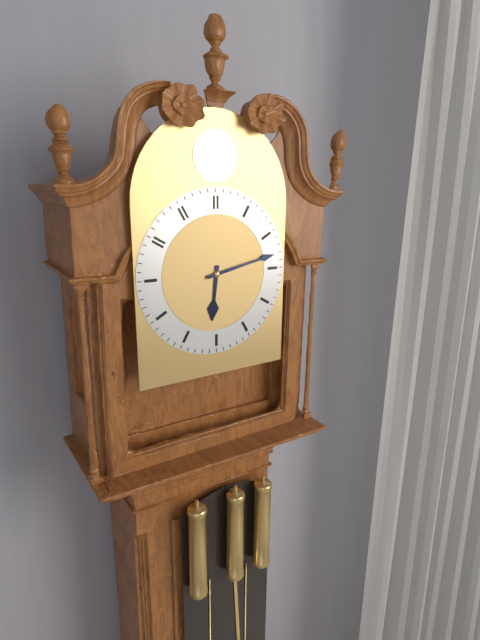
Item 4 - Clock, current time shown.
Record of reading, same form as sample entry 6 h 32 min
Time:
6 h 13 min
